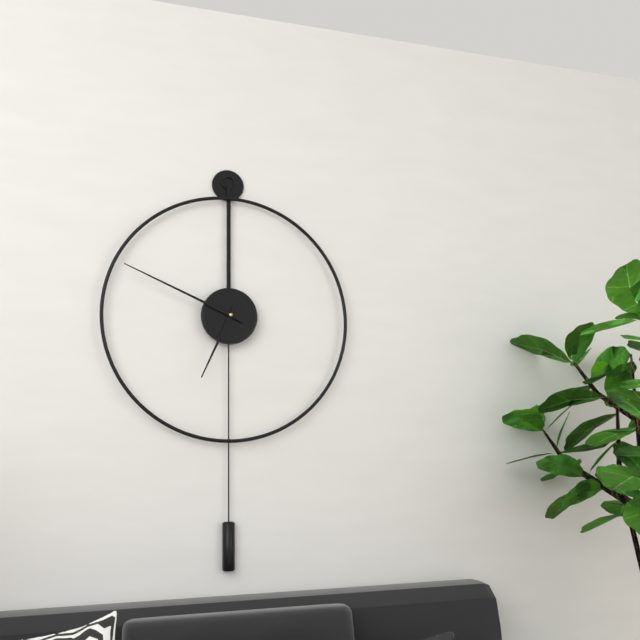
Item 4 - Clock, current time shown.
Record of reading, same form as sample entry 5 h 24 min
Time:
6 h 49 min
